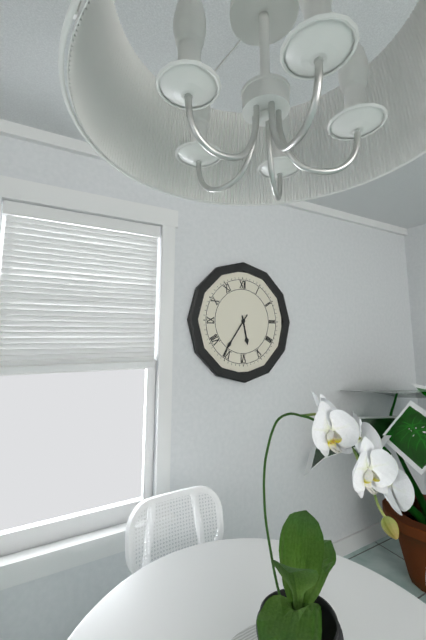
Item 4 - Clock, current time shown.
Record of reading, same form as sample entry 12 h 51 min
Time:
5 h 36 min
